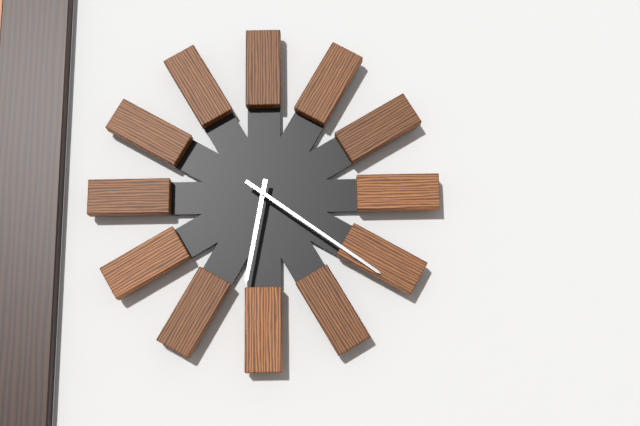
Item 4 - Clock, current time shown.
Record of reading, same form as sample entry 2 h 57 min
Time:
6 h 21 min
